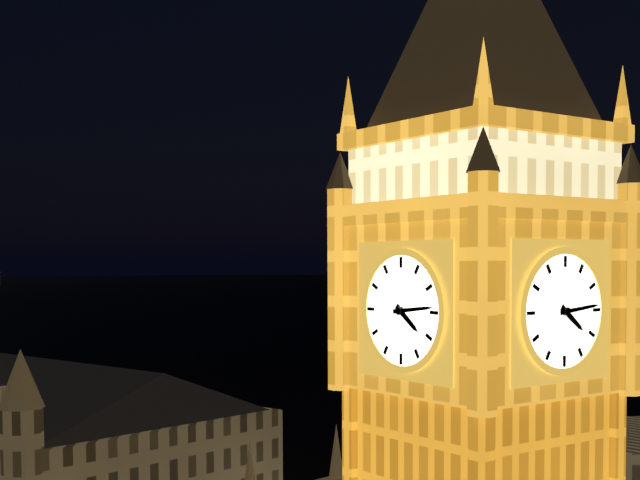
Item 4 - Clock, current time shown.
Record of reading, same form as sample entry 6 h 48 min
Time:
4 h 14 min
